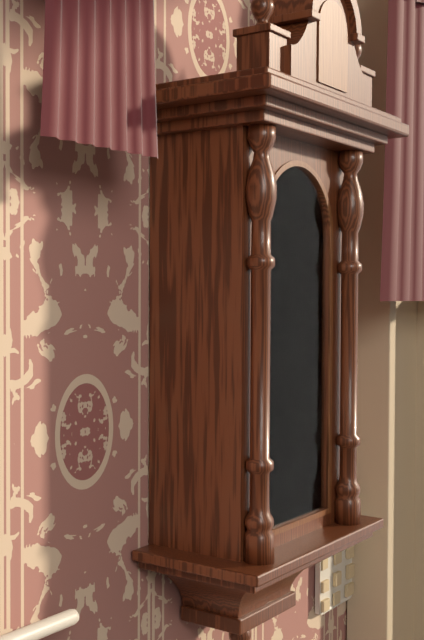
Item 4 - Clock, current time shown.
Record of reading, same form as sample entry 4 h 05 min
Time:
2 h 23 min
